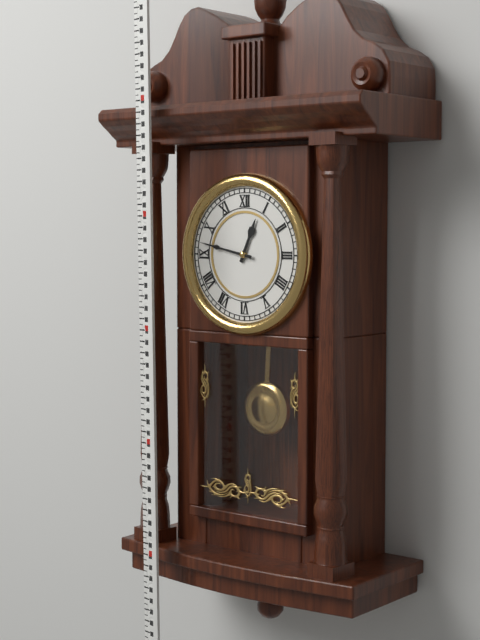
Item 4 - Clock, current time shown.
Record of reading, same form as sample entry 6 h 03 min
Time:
12 h 47 min
